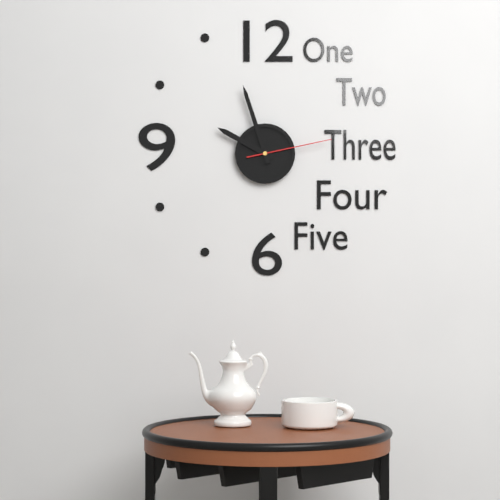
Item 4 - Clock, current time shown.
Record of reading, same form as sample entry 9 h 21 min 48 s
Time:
9 h 57 min 13 s
